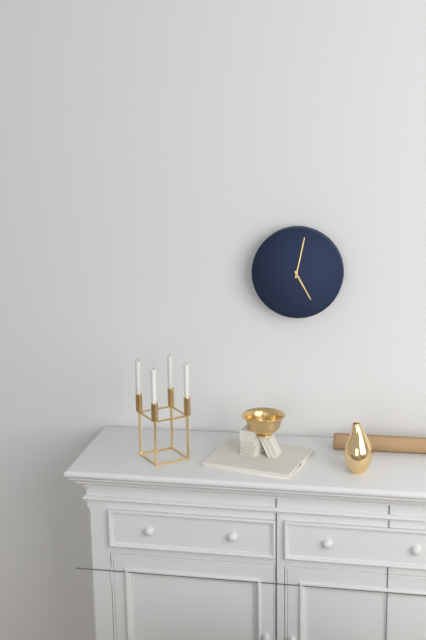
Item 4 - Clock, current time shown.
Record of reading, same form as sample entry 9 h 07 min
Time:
5 h 02 min
